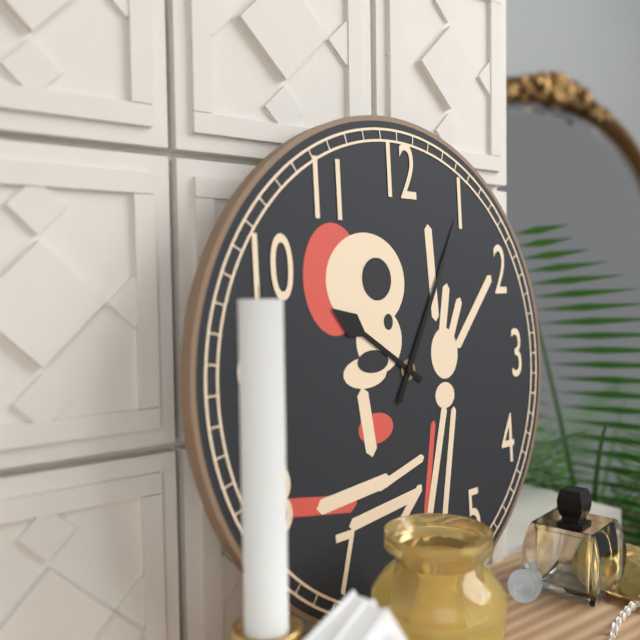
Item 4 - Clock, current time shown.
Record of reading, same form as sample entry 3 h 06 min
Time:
10 h 05 min
